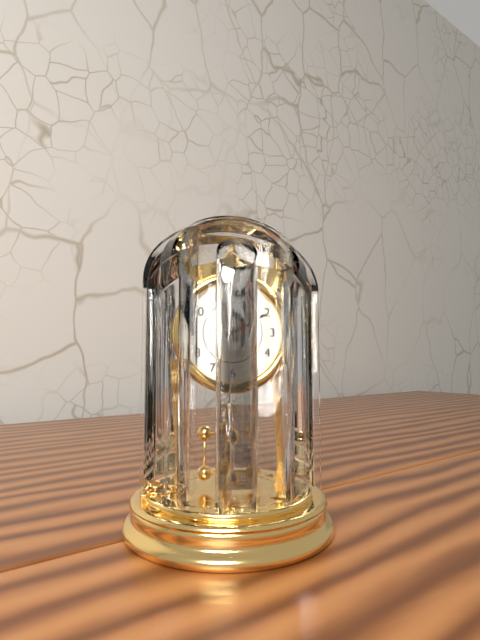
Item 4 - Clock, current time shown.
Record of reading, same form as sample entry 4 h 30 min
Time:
2 h 10 min
